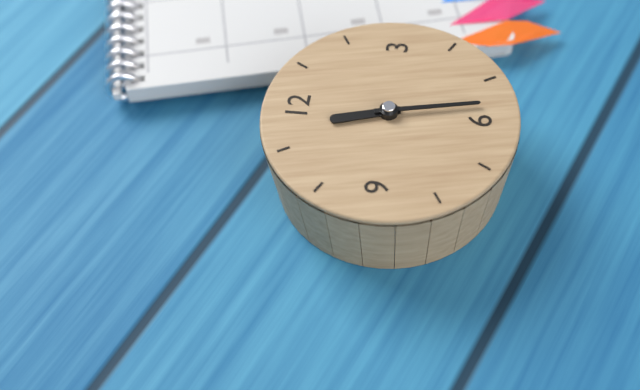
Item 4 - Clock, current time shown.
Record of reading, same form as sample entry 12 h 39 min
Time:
11 h 28 min
